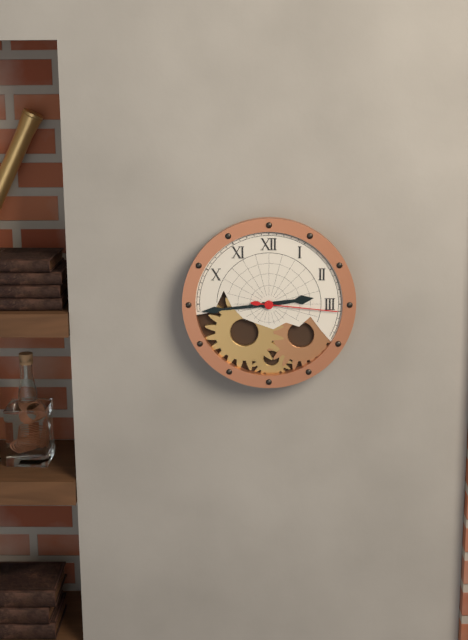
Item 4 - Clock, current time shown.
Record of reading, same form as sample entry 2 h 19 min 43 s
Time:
2 h 44 min 16 s
